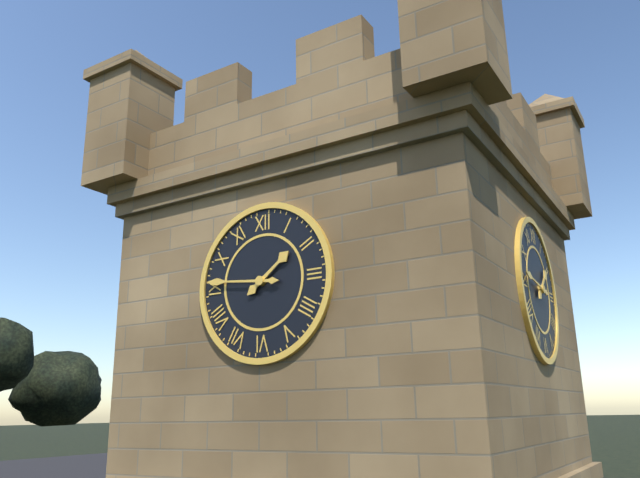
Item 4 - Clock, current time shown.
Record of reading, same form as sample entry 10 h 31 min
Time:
1 h 46 min
